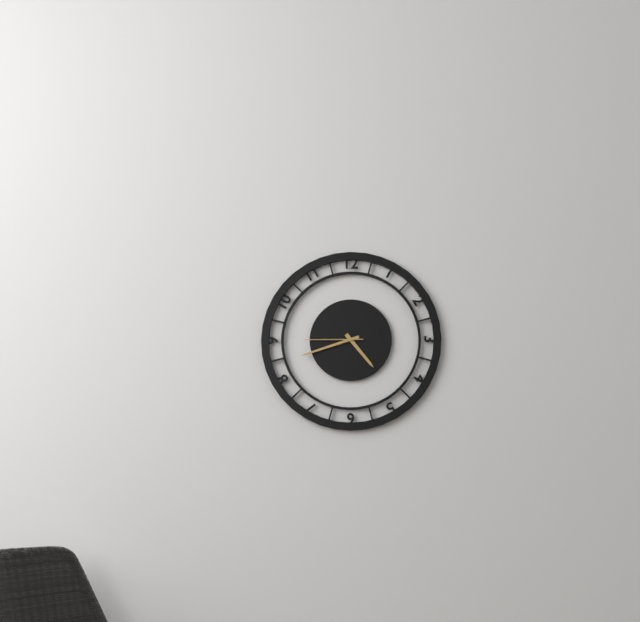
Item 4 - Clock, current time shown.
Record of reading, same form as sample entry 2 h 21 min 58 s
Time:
4 h 42 min 45 s
